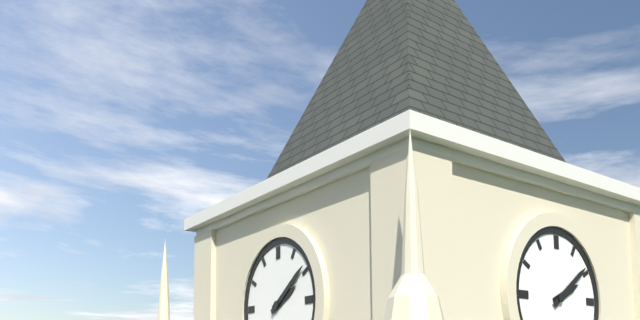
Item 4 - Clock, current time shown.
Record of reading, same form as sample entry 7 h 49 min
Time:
2 h 09 min
